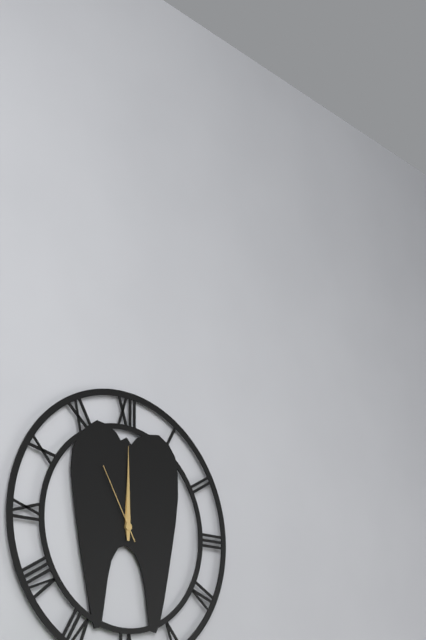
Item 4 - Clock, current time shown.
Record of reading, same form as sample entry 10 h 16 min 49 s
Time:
12 h 00 min 55 s
